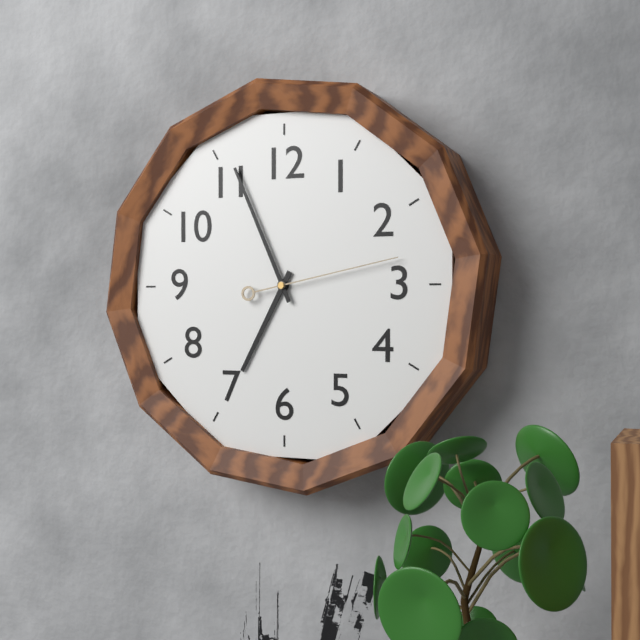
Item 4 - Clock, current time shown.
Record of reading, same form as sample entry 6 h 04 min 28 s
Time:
6 h 56 min 13 s
